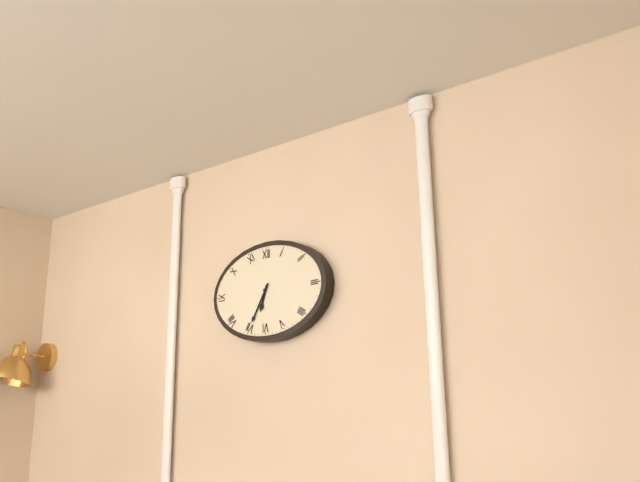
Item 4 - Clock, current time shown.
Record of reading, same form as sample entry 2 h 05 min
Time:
6 h 35 min
